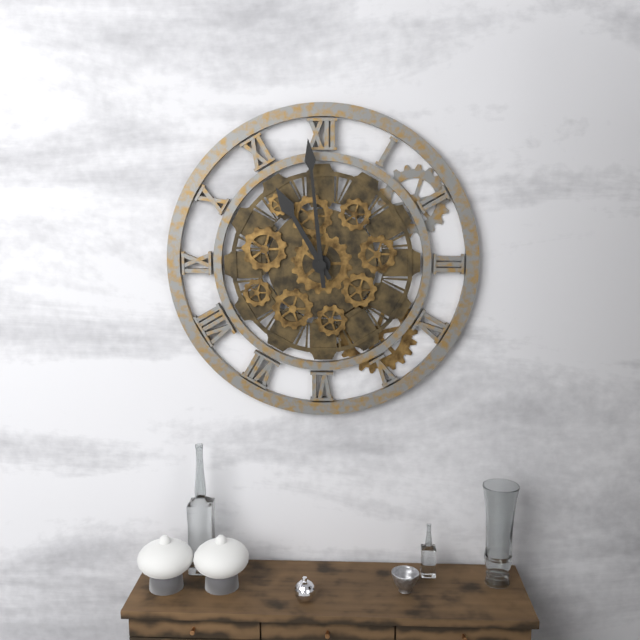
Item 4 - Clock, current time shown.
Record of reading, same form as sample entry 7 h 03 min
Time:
10 h 59 min
